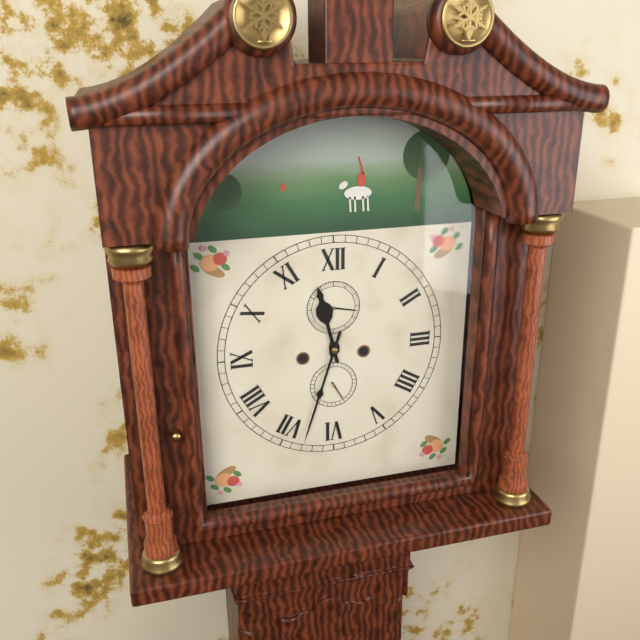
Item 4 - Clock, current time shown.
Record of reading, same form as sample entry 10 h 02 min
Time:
11 h 33 min
